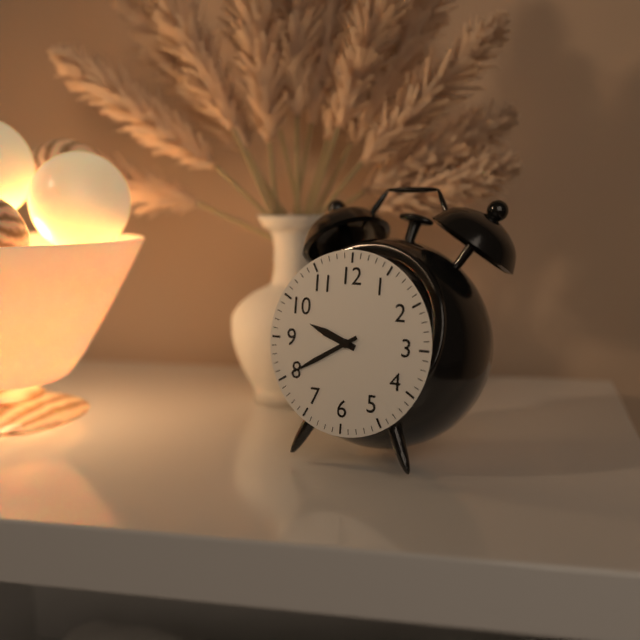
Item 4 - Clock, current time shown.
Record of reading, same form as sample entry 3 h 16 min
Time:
9 h 40 min
